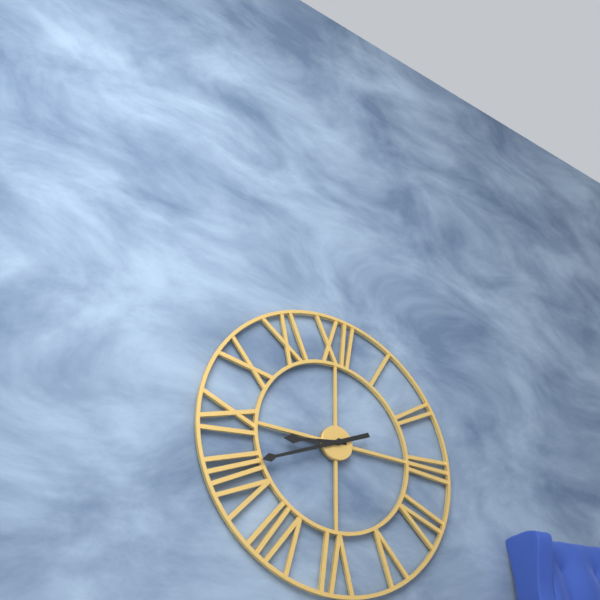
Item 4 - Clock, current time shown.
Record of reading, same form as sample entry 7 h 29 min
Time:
8 h 41 min
